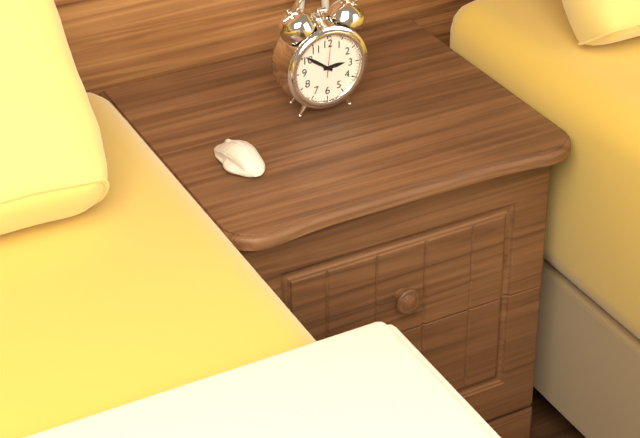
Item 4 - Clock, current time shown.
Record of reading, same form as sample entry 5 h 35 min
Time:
2 h 51 min
